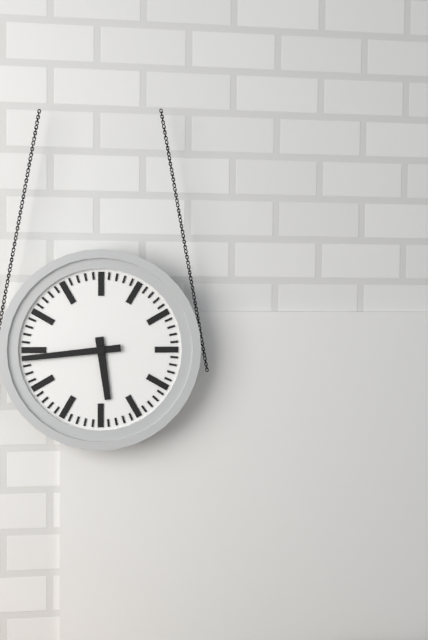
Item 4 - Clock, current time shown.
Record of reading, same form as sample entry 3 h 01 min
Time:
5 h 44 min
